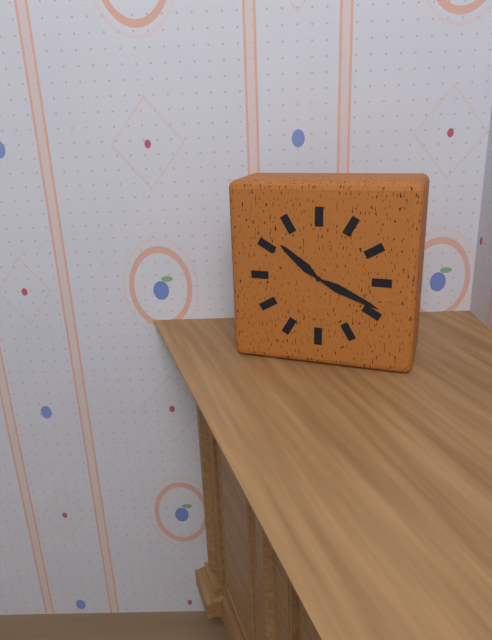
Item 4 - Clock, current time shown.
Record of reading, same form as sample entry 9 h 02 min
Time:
10 h 19 min
